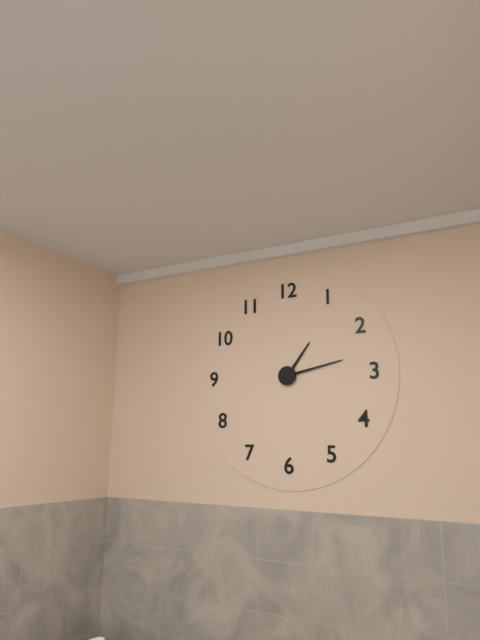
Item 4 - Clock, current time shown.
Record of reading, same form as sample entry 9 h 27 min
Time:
1 h 13 min
